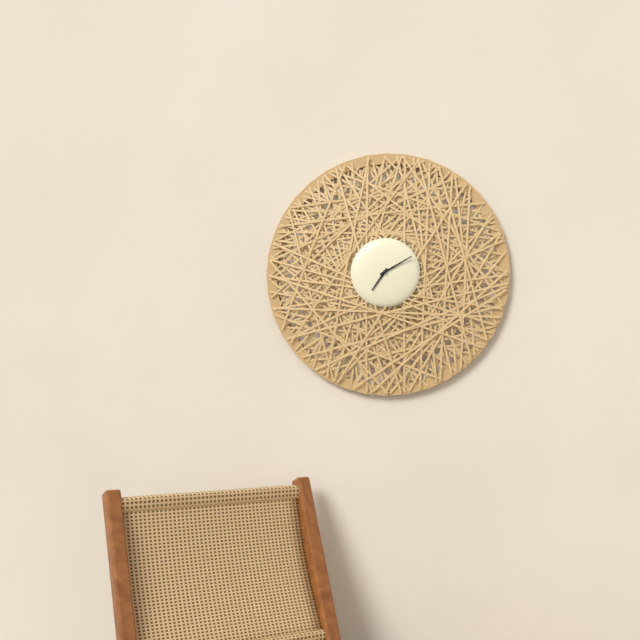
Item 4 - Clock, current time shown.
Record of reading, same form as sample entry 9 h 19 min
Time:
7 h 10 min
